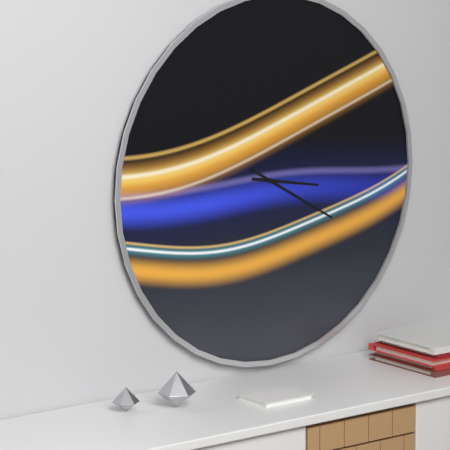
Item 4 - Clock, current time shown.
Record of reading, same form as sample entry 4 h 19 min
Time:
3 h 20 min
